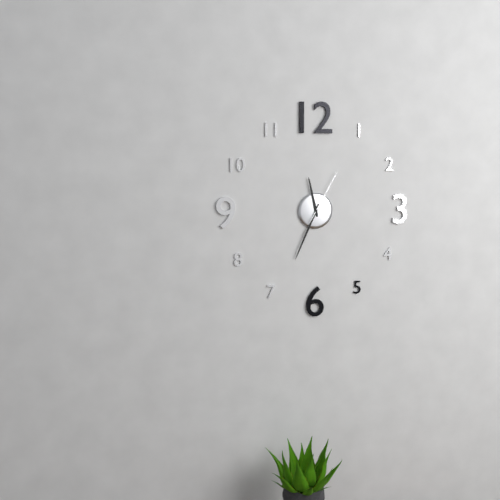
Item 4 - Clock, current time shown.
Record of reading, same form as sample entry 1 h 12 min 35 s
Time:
11 h 34 min 05 s
